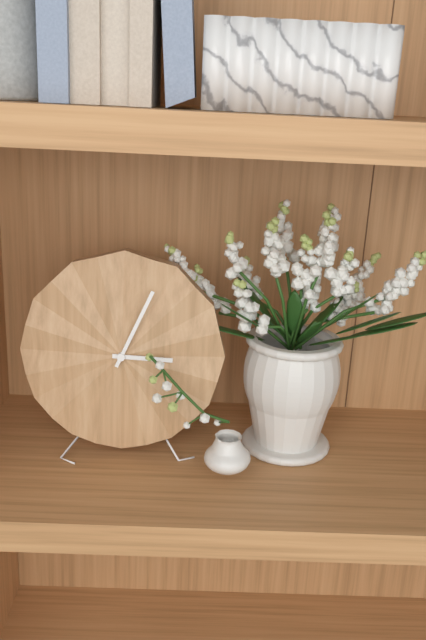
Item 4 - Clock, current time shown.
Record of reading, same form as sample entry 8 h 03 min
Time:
3 h 04 min
